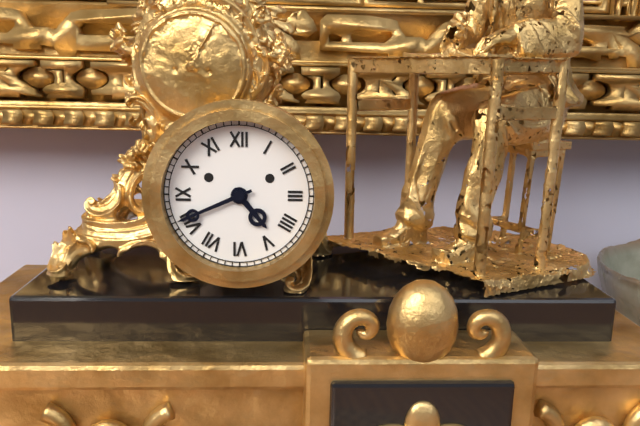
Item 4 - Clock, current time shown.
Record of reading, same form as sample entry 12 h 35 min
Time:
4 h 41 min
